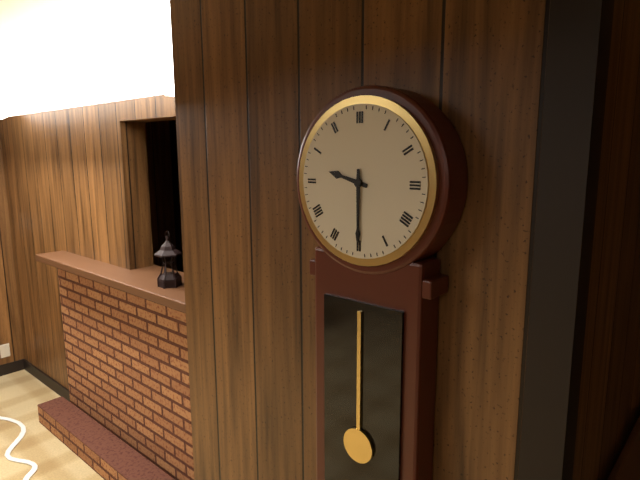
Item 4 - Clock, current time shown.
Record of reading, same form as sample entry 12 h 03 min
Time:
9 h 30 min
